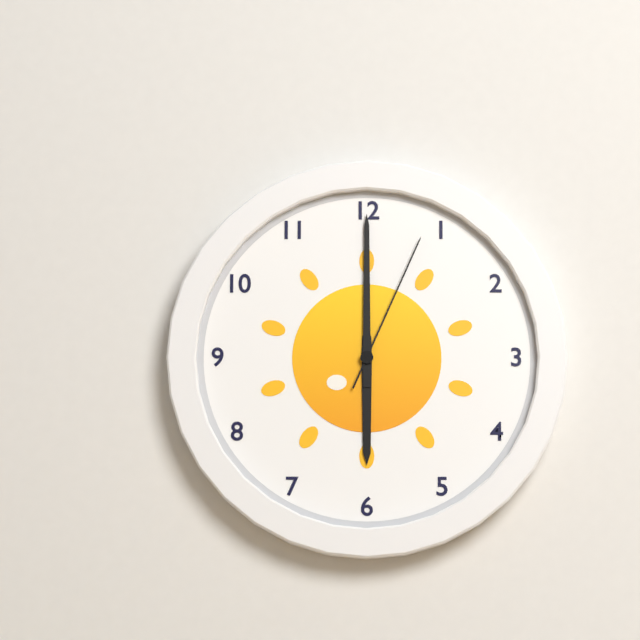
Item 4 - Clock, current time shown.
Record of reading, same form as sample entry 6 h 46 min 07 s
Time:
6 h 00 min 04 s
